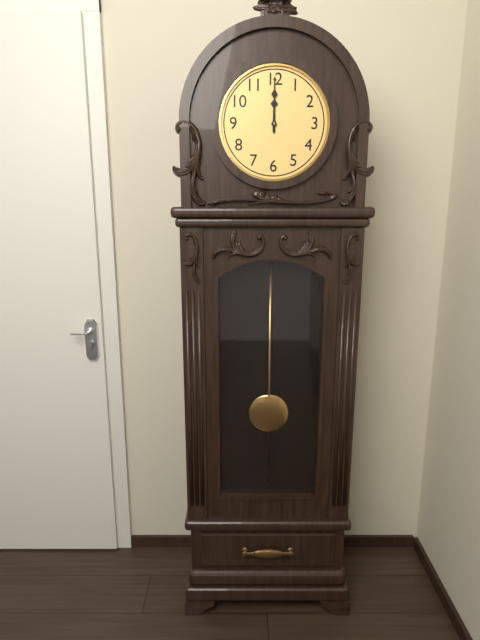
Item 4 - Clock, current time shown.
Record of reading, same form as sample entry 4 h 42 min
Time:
12 h 00 min
